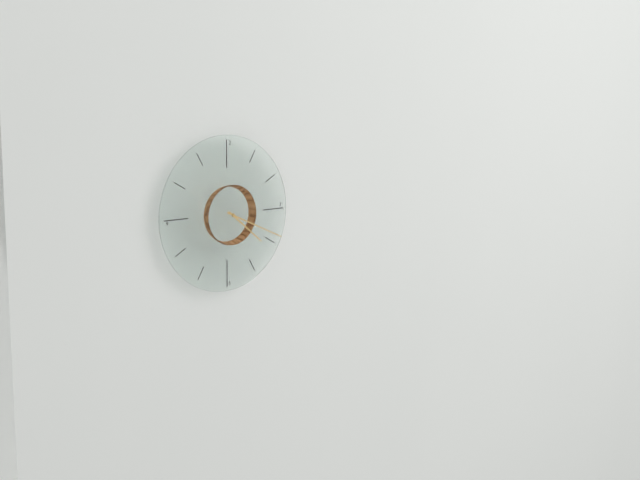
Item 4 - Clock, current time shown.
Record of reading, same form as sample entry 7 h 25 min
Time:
4 h 19 min
